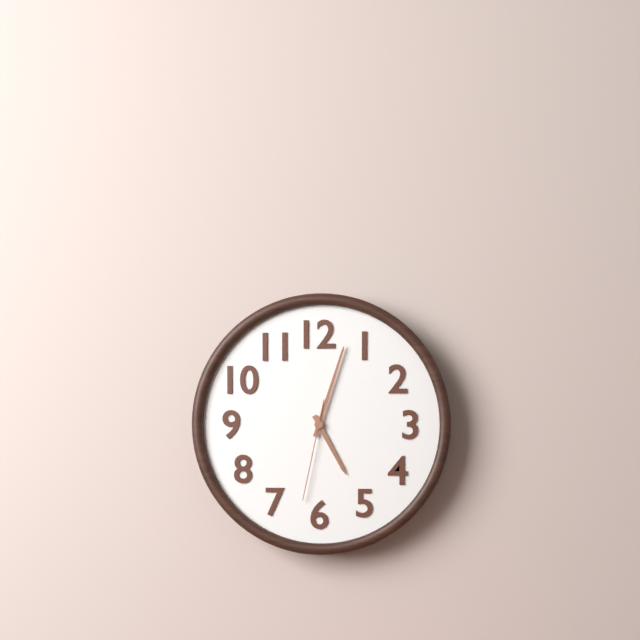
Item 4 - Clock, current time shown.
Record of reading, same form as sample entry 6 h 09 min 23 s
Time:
5 h 03 min 32 s
